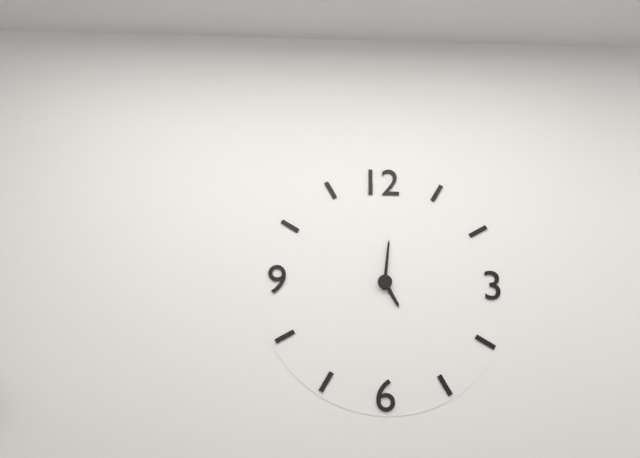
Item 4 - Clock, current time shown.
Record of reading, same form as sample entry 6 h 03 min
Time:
5 h 01 min
